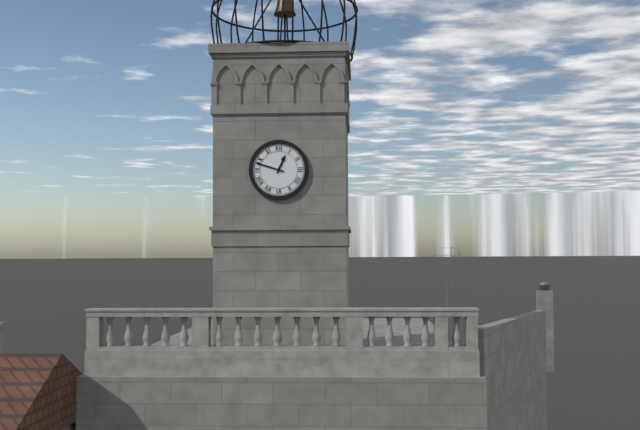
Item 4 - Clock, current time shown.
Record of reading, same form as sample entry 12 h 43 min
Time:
12 h 48 min
